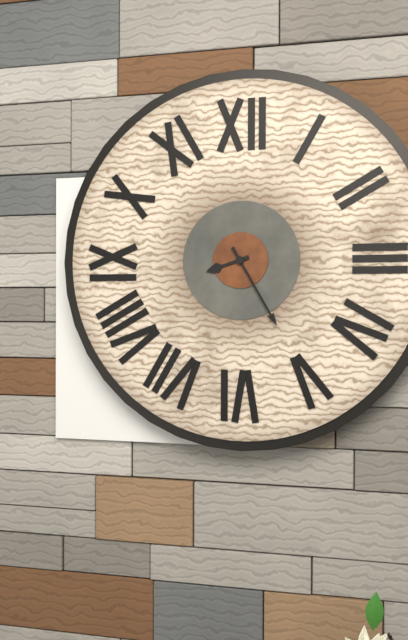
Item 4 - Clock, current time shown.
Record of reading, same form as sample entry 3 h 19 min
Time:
8 h 25 min
